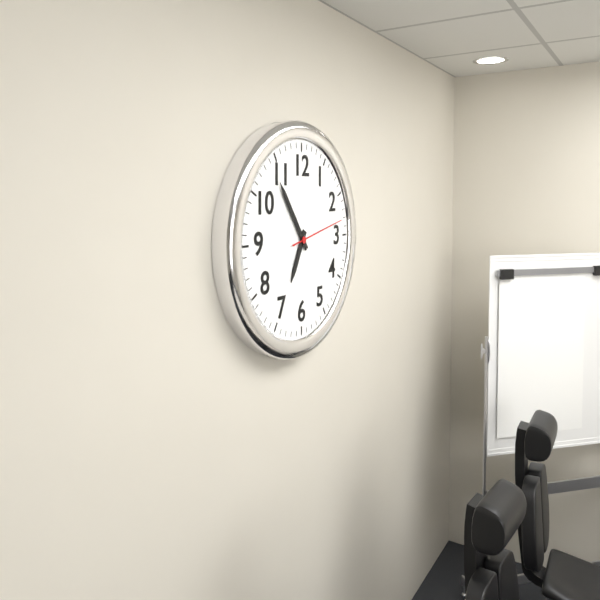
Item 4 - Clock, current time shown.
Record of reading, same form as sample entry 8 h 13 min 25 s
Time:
6 h 54 min 13 s
